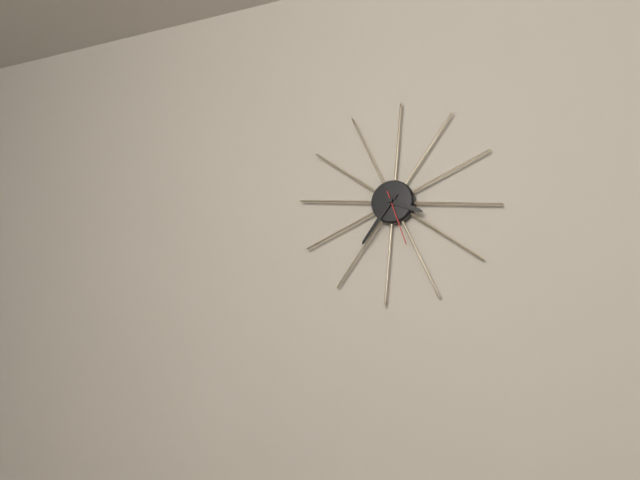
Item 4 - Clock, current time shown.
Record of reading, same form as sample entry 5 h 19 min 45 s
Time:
3 h 35 min 26 s
